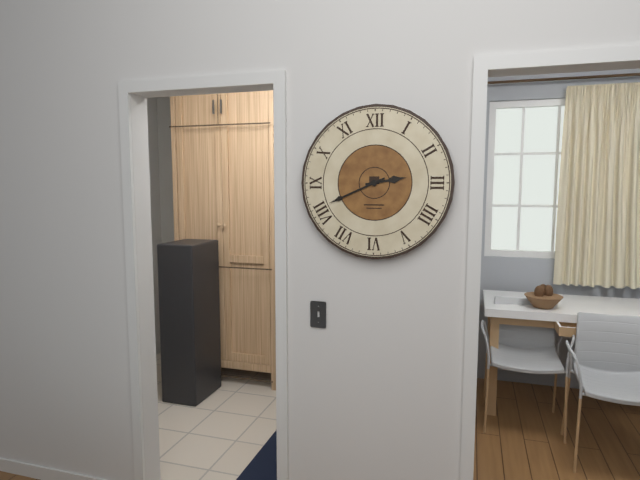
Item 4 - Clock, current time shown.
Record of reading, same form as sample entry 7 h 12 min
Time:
2 h 41 min
